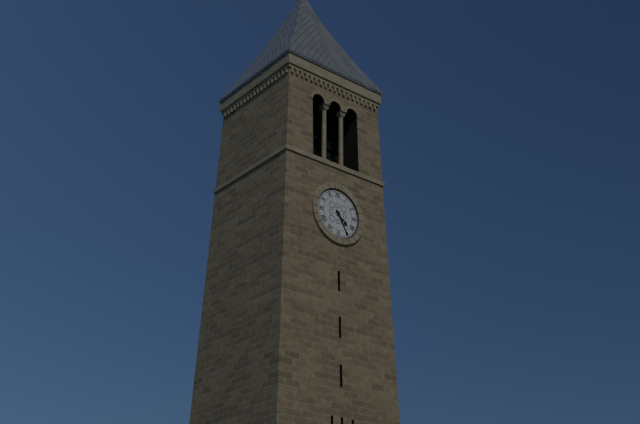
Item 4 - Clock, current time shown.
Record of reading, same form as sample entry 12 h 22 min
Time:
4 h 25 min
